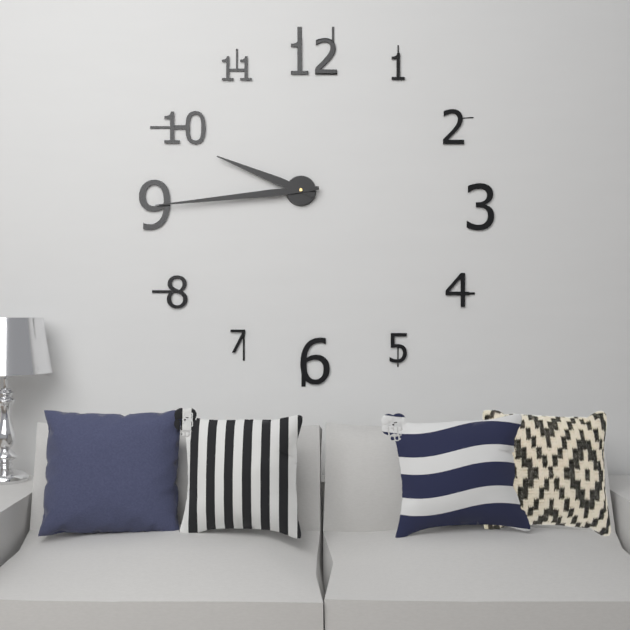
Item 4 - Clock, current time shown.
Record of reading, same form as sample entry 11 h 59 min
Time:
9 h 44 min
